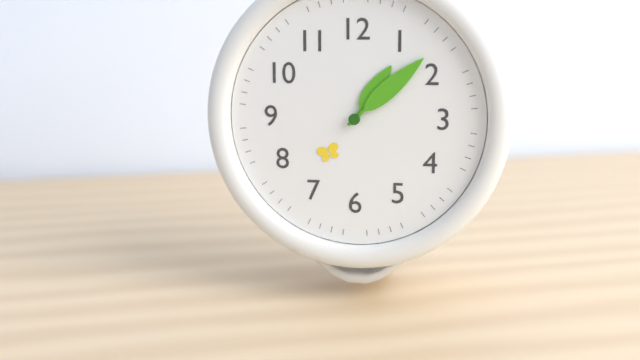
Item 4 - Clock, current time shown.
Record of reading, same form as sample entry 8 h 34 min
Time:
1 h 08 min
